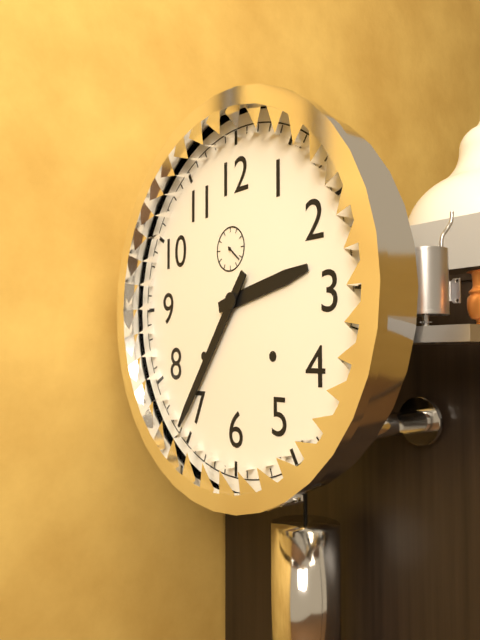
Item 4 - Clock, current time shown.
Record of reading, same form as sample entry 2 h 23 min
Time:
2 h 36 min
